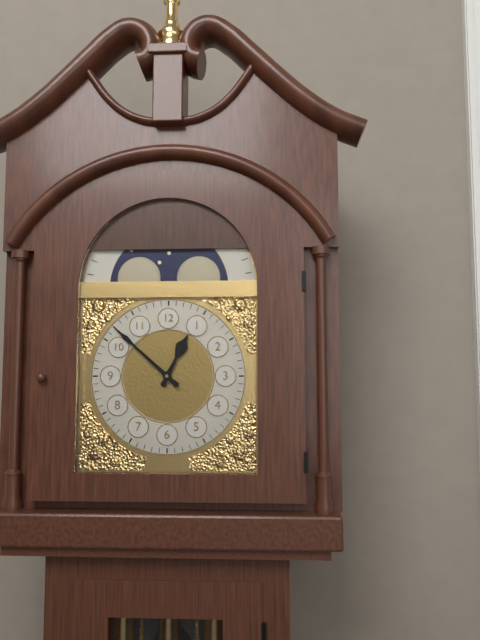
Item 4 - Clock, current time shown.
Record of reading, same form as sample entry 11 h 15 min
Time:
12 h 52 min
